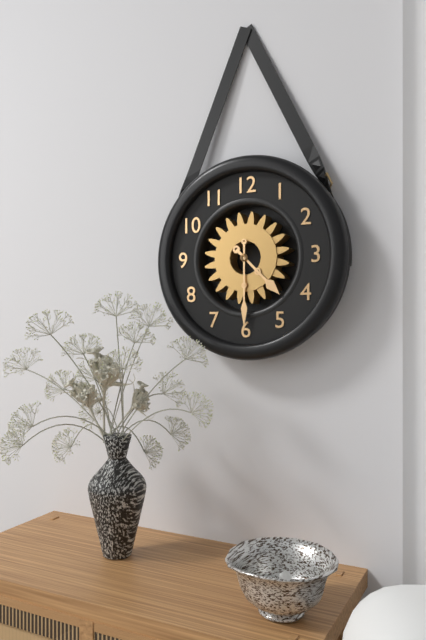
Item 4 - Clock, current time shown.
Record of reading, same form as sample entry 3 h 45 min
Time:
4 h 30 min
